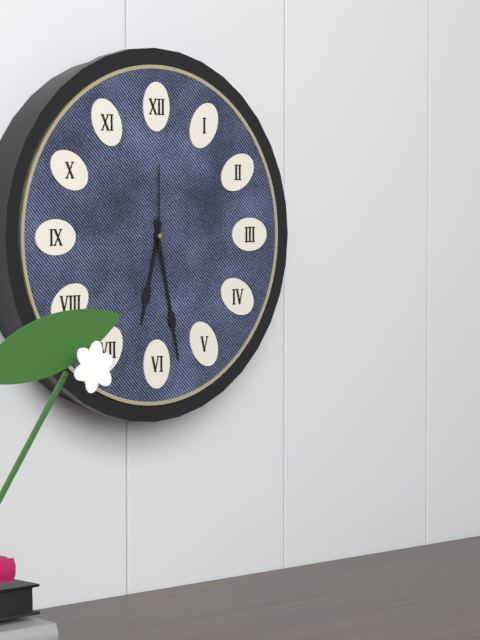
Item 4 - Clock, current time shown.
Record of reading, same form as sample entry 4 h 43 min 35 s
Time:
6 h 28 min 00 s
